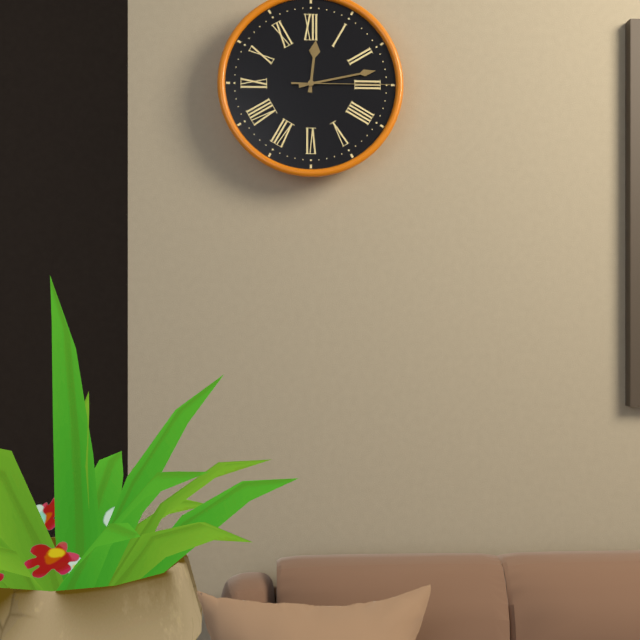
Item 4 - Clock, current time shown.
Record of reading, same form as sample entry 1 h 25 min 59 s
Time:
12 h 13 min 15 s
